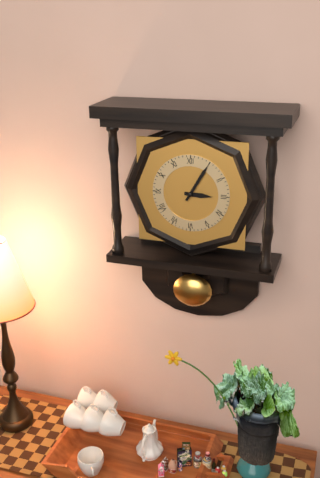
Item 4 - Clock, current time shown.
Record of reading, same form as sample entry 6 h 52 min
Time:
3 h 05 min
